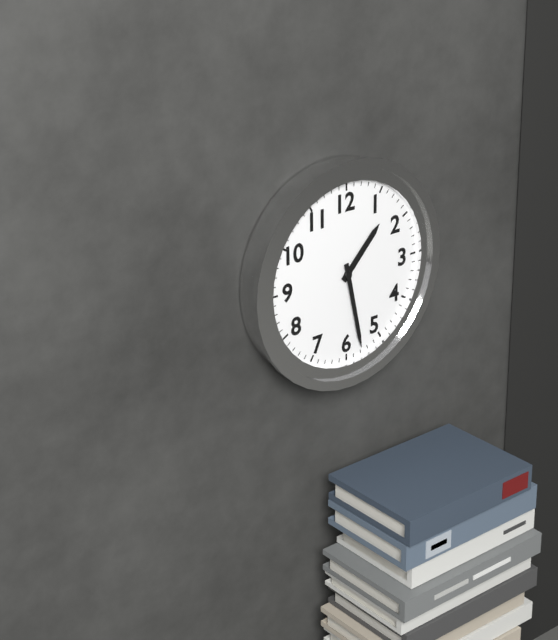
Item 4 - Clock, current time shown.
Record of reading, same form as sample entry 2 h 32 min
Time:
1 h 28 min
